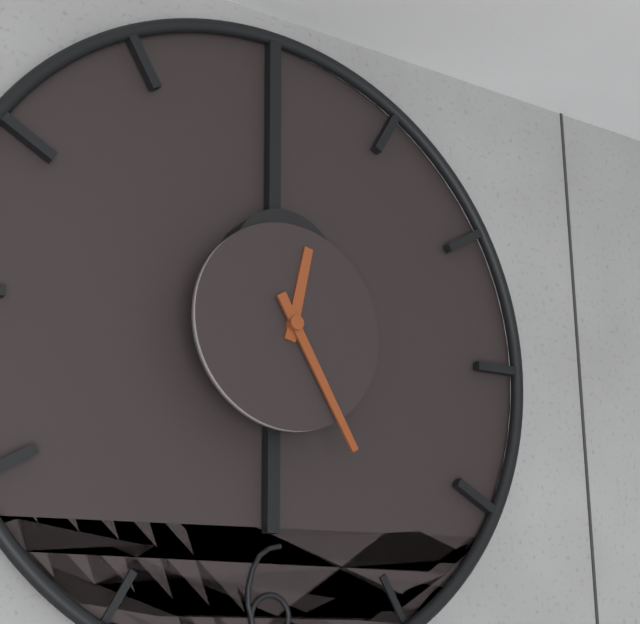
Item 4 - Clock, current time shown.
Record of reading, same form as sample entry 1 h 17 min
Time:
12 h 25 min
